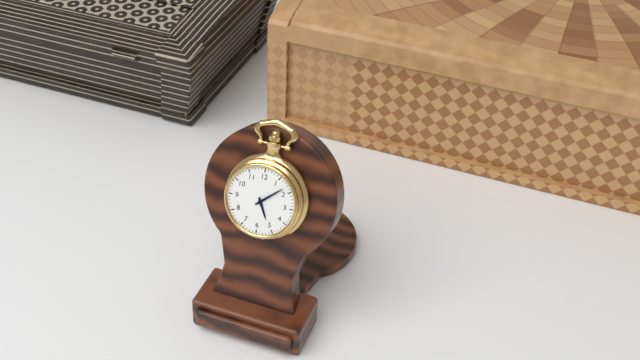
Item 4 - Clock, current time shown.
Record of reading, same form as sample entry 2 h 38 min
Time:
5 h 08 min
